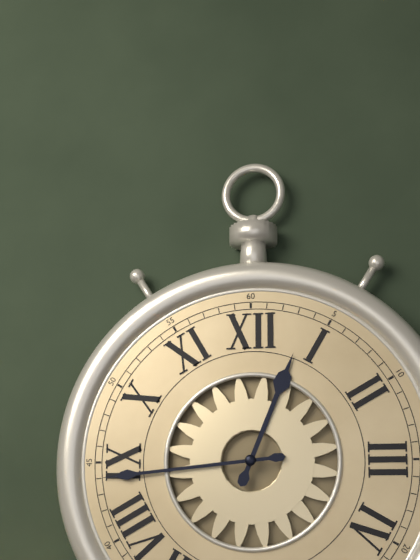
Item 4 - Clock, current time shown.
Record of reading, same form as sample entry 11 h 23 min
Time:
12 h 44 min
